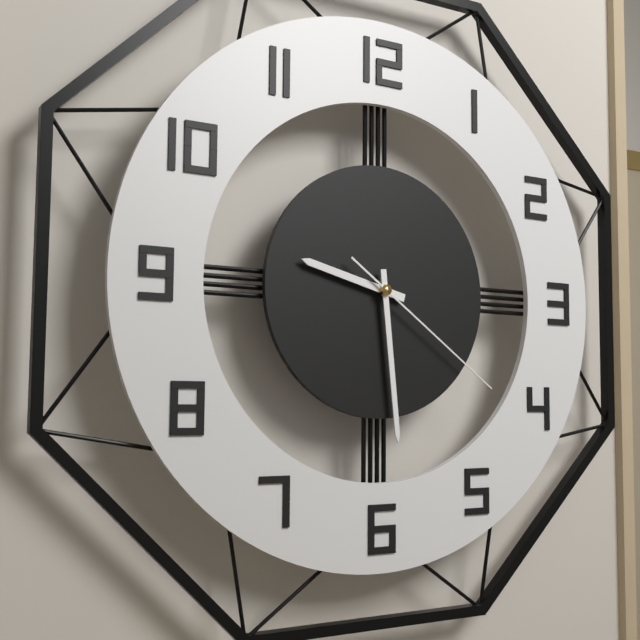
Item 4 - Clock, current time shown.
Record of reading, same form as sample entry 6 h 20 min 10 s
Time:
9 h 29 min 21 s
